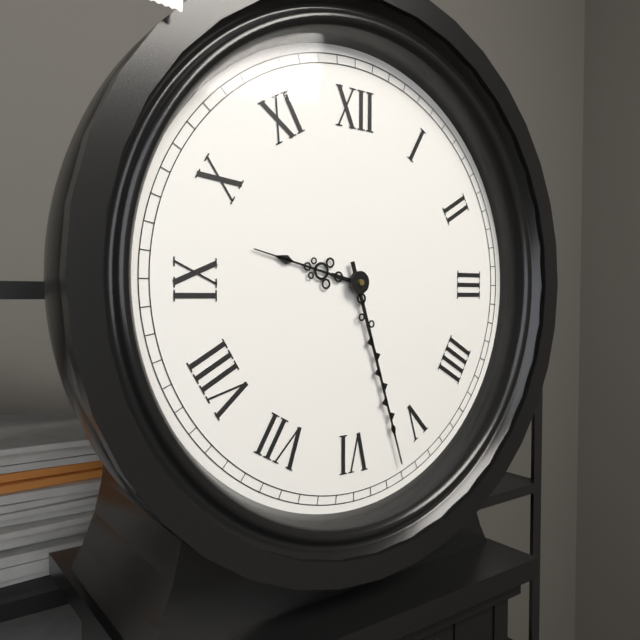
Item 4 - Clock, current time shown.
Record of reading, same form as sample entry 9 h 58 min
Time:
9 h 27 min
